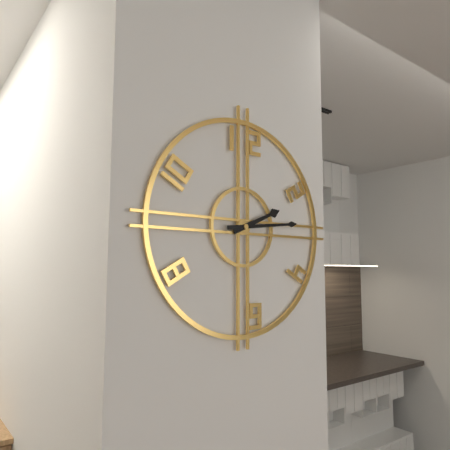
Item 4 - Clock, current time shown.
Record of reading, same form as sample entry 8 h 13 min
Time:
2 h 14 min
